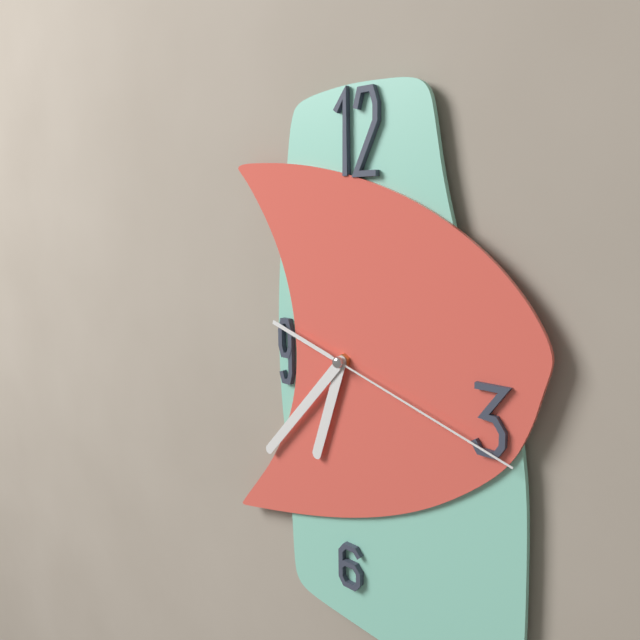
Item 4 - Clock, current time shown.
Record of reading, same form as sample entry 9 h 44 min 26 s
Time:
6 h 37 min 18 s
